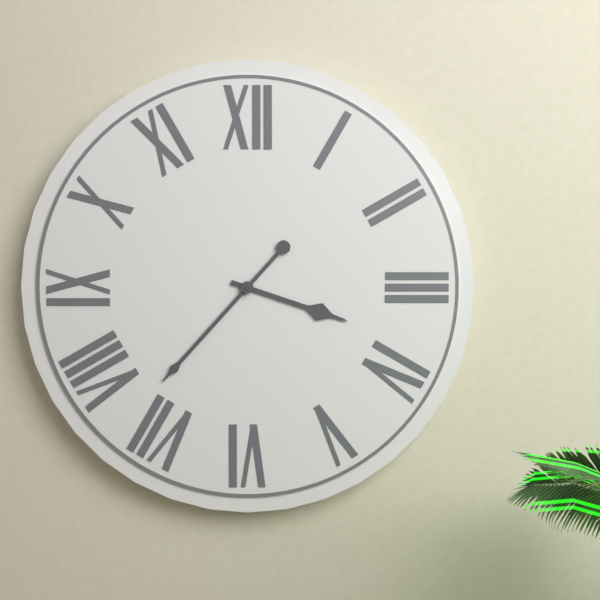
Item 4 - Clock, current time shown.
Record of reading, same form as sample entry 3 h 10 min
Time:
3 h 37 min
